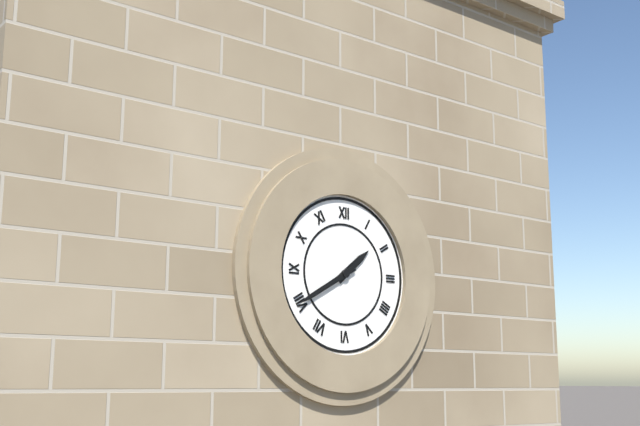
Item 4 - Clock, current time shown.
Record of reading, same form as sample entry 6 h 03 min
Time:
1 h 40 min
